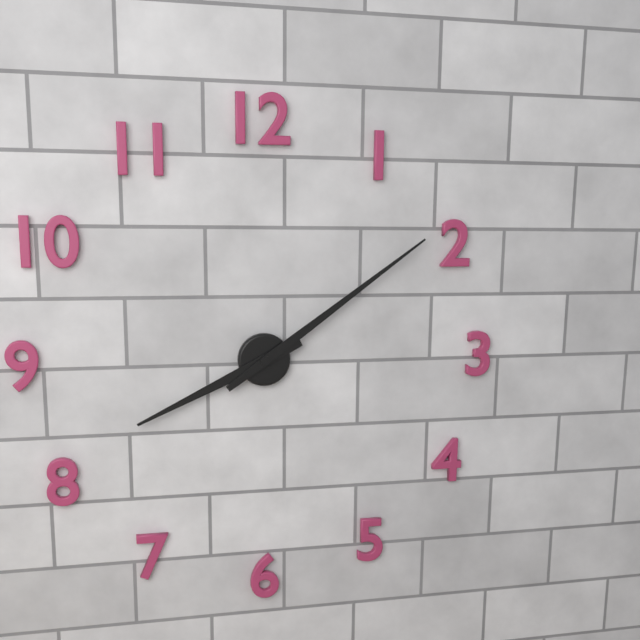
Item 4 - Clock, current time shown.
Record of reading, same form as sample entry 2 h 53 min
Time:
8 h 09 min
